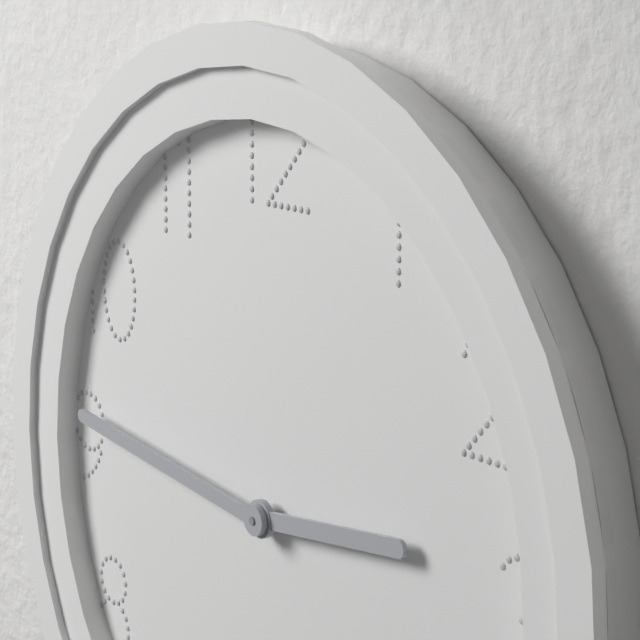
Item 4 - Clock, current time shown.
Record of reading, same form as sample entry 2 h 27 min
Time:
2 h 46 min
